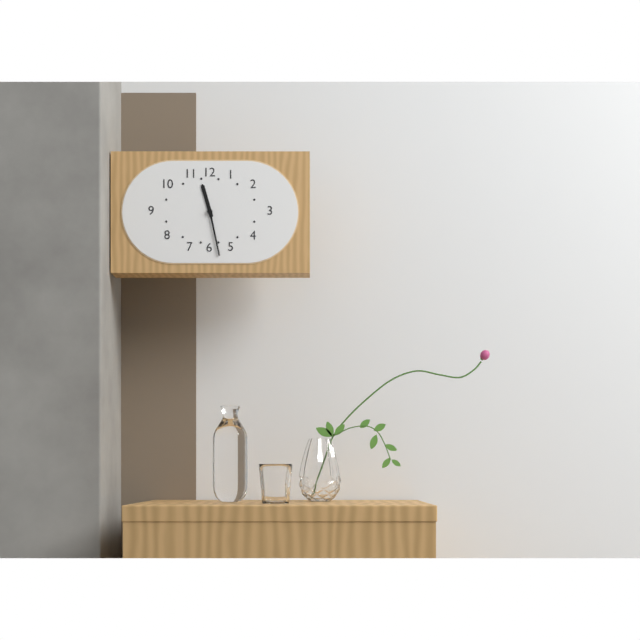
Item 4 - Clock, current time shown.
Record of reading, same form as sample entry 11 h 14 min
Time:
11 h 28 min
